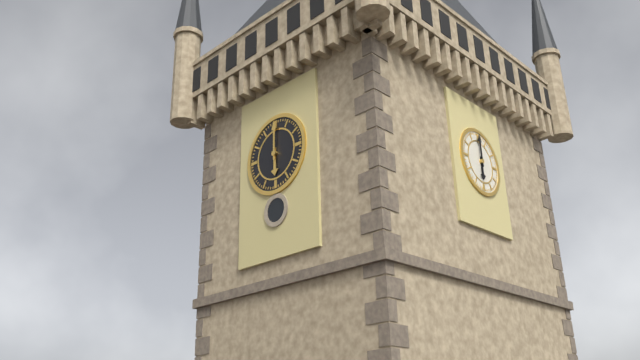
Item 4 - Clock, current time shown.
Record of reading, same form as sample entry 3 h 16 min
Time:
6 h 00 min
